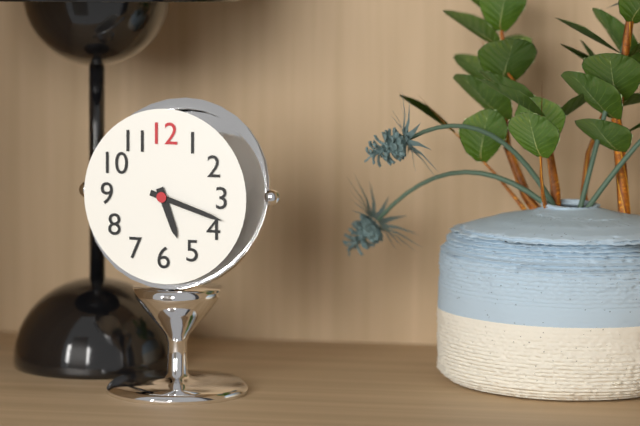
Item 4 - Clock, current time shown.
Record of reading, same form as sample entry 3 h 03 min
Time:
5 h 18 min
